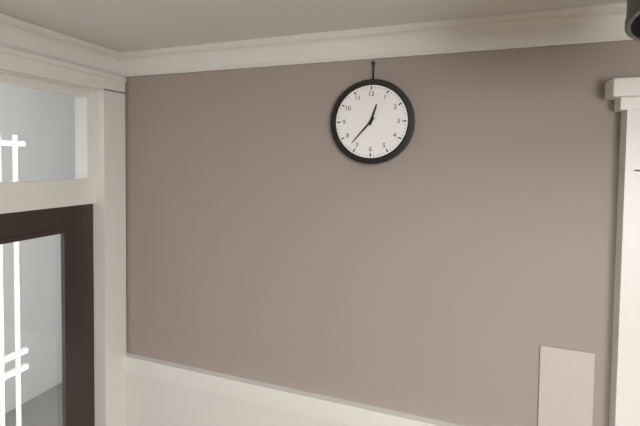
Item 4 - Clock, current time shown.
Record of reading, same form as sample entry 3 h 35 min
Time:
12 h 37 min
